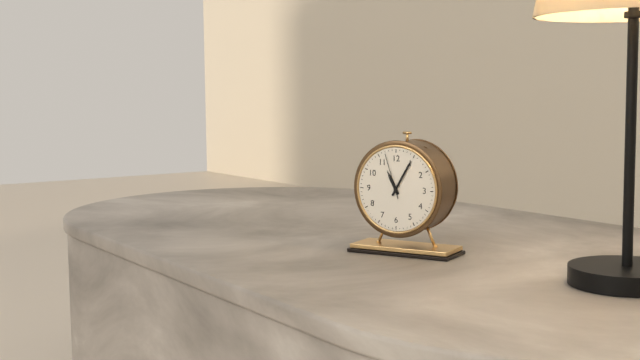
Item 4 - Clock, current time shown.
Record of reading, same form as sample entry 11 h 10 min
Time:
11 h 05 min
